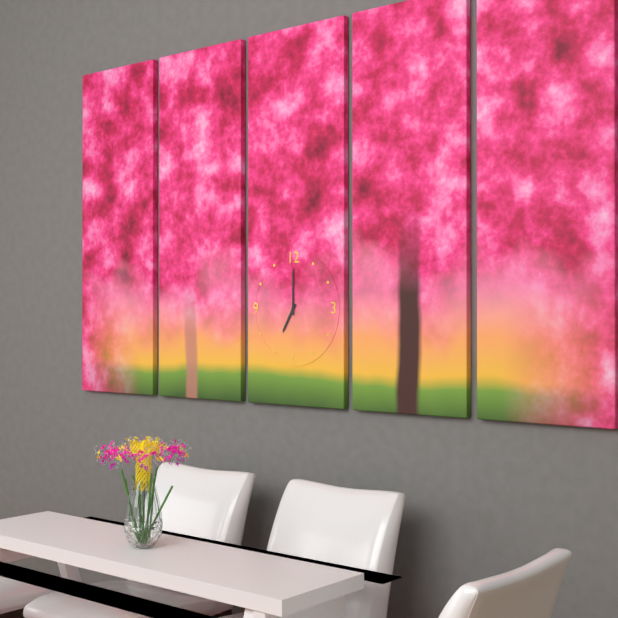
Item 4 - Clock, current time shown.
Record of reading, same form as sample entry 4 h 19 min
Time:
7 h 00 min
